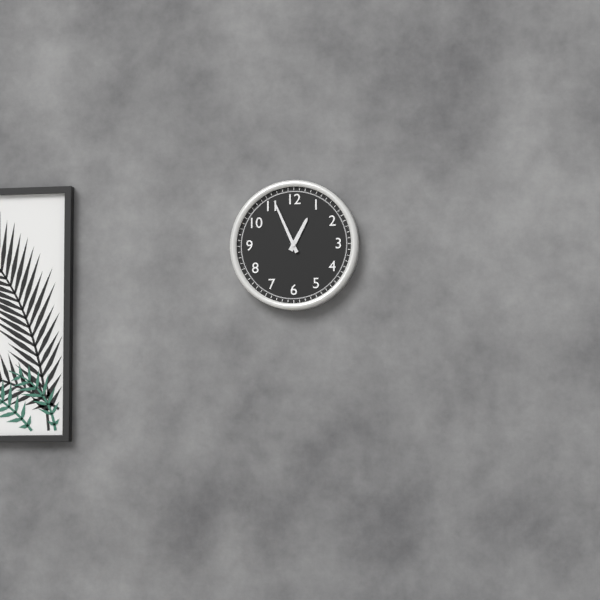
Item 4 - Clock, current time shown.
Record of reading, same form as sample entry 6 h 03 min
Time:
12 h 56 min
